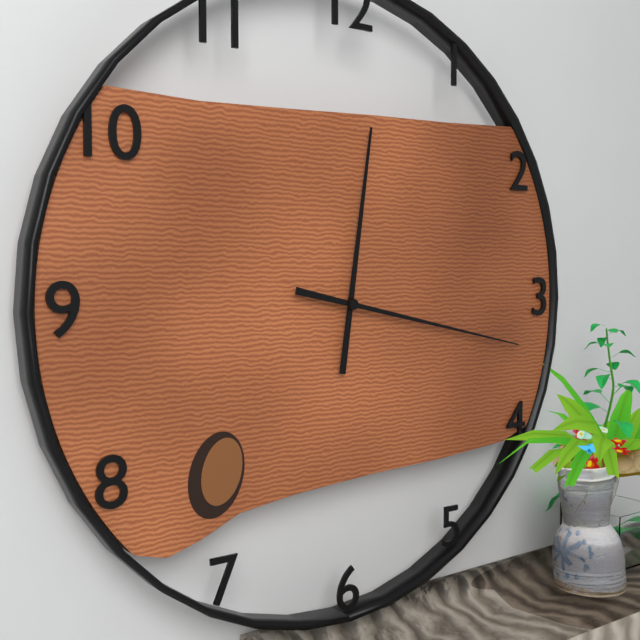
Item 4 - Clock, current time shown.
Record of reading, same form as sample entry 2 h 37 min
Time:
12 h 17 min
